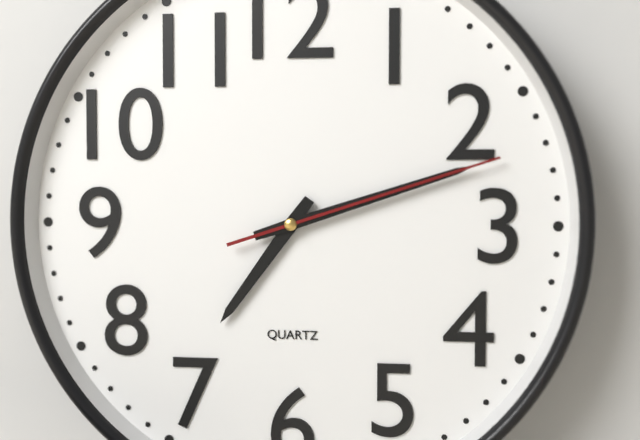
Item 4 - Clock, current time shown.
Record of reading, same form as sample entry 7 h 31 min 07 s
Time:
7 h 12 min 12 s
